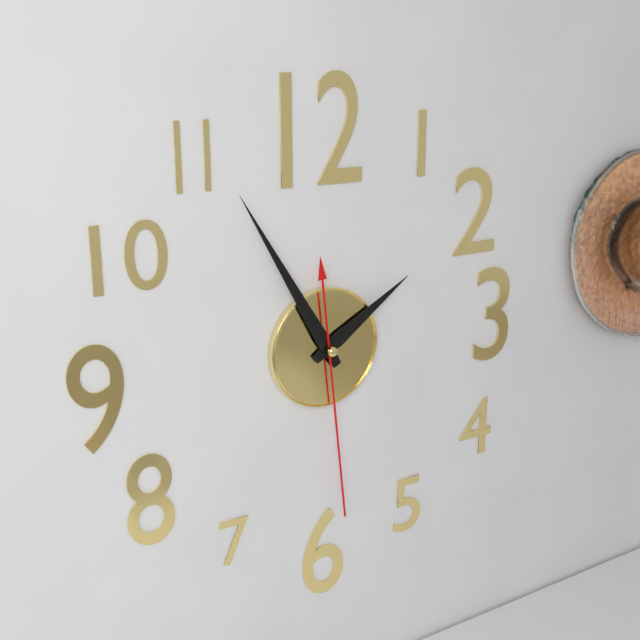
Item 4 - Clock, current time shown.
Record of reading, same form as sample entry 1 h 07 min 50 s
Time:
1 h 55 min 29 s
